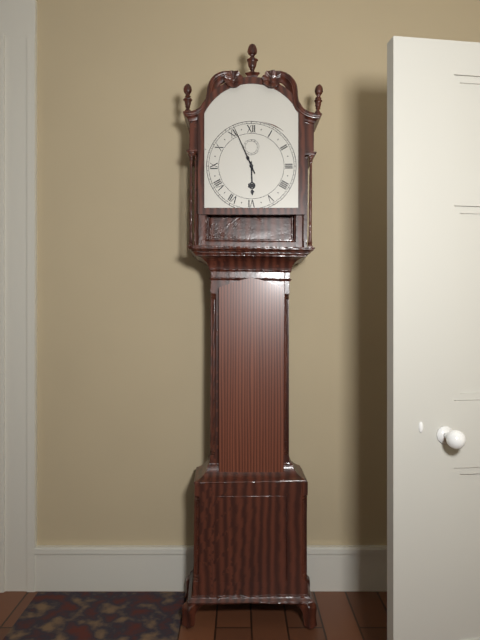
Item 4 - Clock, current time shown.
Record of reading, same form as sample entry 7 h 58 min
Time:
5 h 56 min
